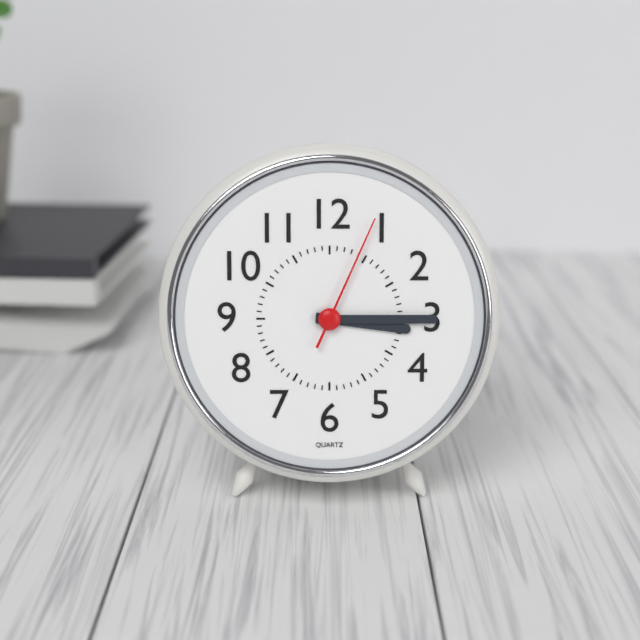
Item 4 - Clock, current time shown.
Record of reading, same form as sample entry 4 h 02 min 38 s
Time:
3 h 15 min 04 s
